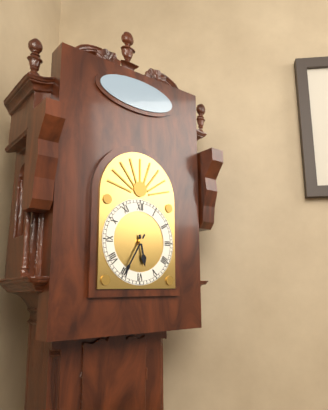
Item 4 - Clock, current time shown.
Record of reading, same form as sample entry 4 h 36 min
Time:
5 h 35 min
